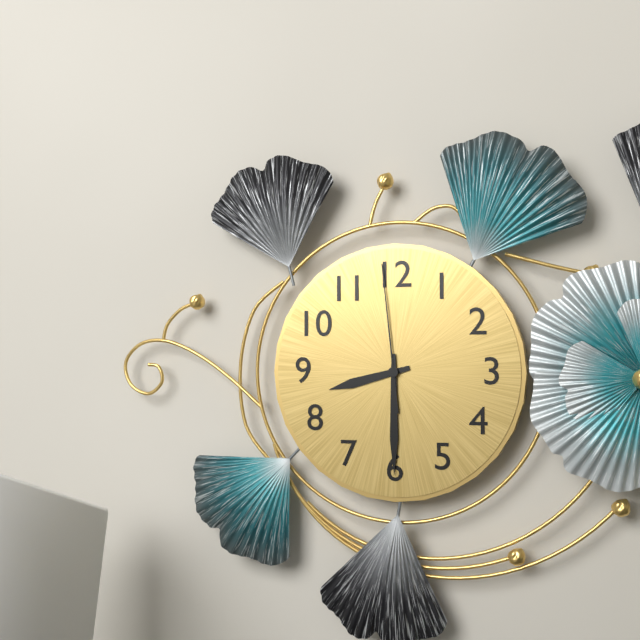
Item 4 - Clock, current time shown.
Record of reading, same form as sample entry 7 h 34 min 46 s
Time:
8 h 30 min 59 s
